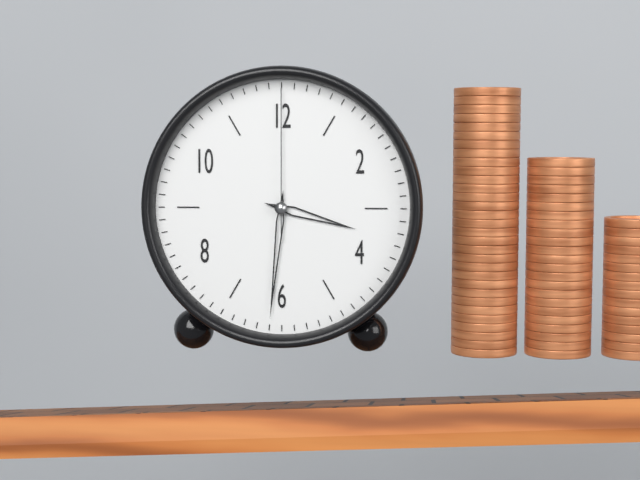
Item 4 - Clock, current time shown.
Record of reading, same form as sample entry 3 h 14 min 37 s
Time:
3 h 31 min 00 s
